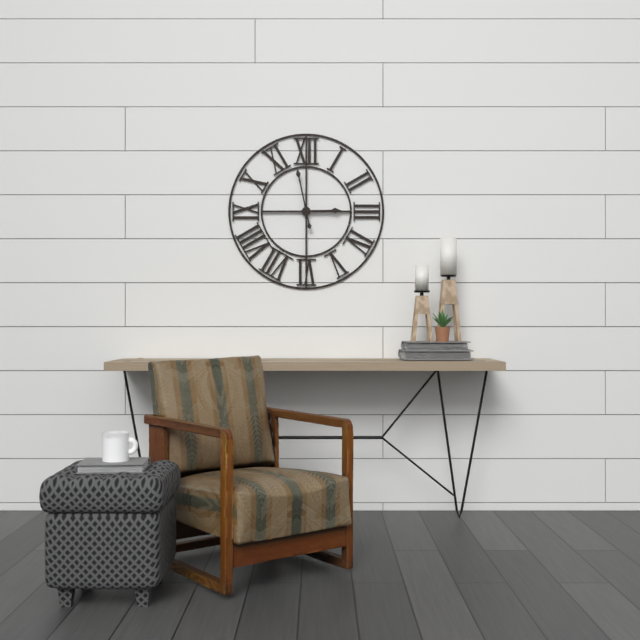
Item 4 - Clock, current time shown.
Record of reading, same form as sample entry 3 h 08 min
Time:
2 h 58 min
